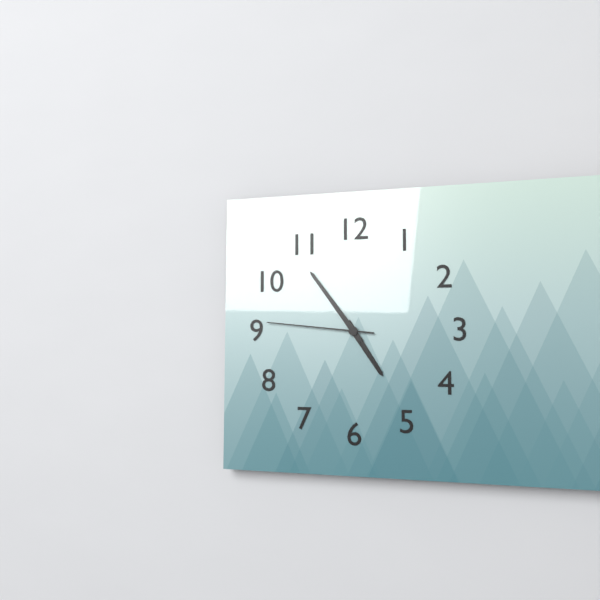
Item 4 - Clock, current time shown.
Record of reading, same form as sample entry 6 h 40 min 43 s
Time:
4 h 54 min 46 s
